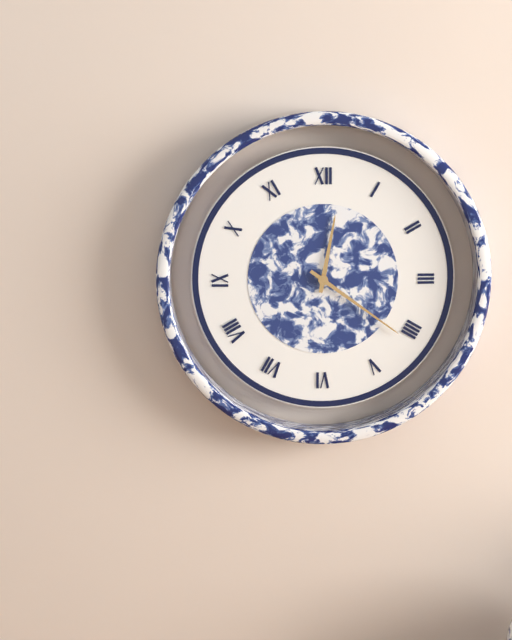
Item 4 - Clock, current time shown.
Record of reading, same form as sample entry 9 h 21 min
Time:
12 h 21 min
